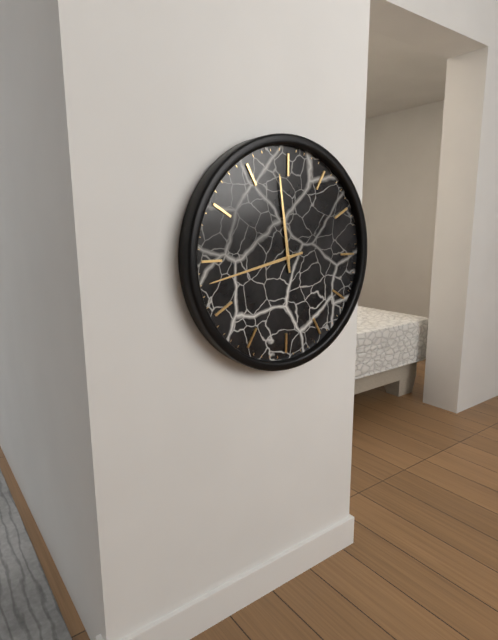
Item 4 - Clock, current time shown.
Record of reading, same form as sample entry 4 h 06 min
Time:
11 h 43 min
